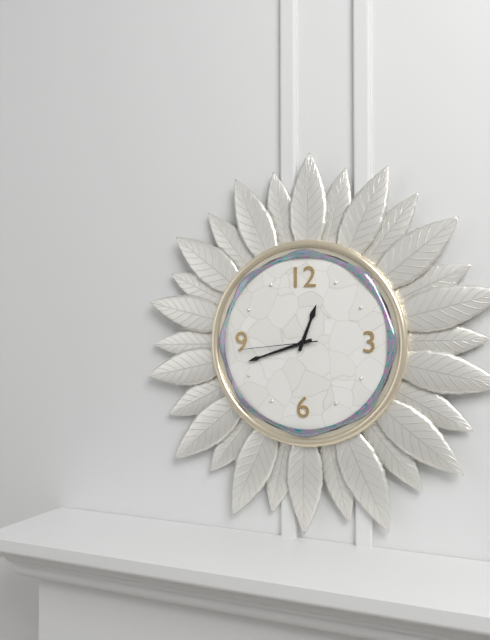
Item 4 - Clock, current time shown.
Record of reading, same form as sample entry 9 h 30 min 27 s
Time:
12 h 42 min 44 s
